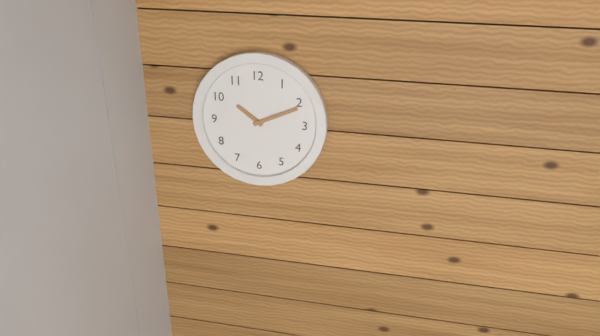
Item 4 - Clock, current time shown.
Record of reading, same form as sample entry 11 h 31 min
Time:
10 h 11 min
